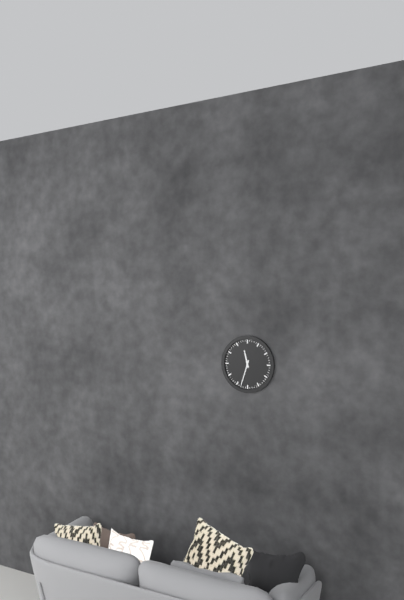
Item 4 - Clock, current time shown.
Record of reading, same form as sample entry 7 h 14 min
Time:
11 h 33 min
